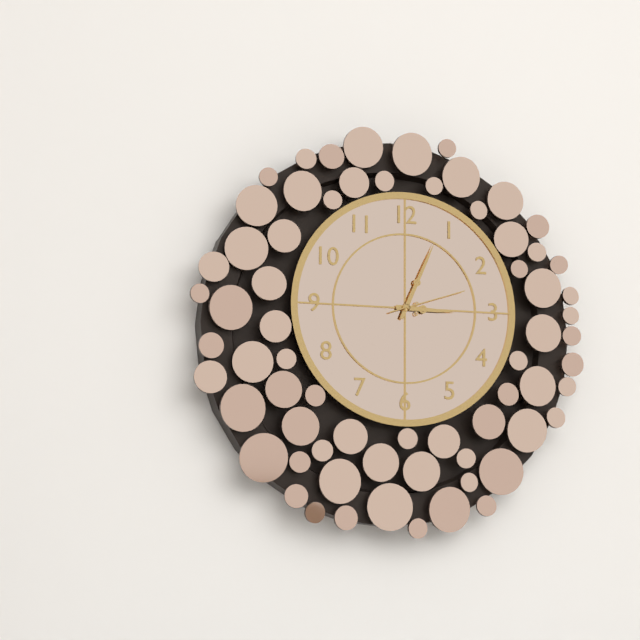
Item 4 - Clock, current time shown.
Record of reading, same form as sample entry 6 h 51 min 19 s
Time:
3 h 04 min 12 s
